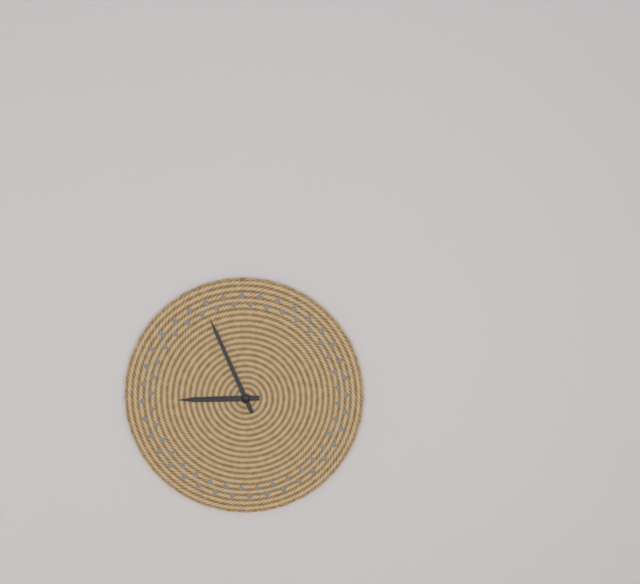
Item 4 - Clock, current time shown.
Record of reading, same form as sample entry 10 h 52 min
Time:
8 h 56 min
